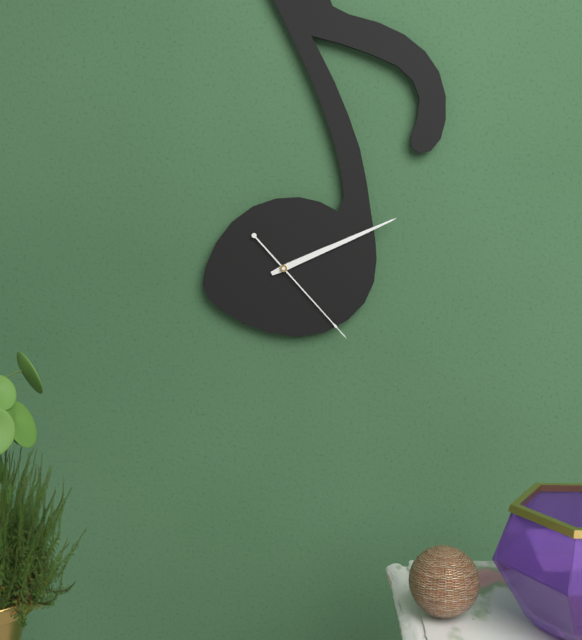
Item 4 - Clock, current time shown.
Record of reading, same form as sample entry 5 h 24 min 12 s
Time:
2 h 11 min 23 s
